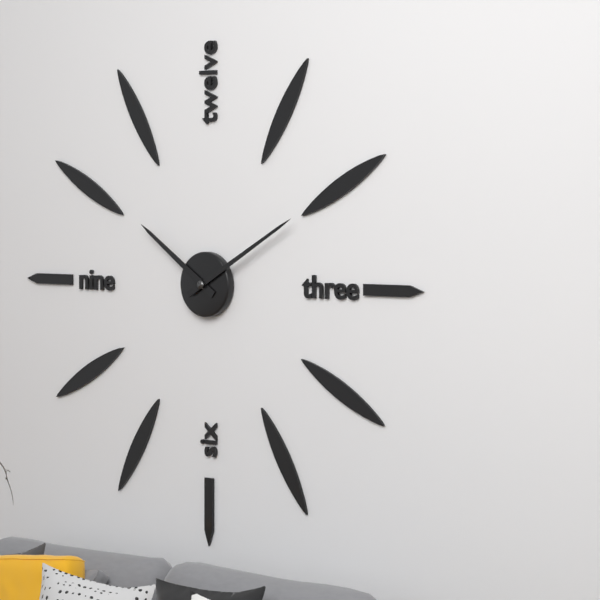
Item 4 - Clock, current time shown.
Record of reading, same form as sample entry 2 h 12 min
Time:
10 h 10 min
